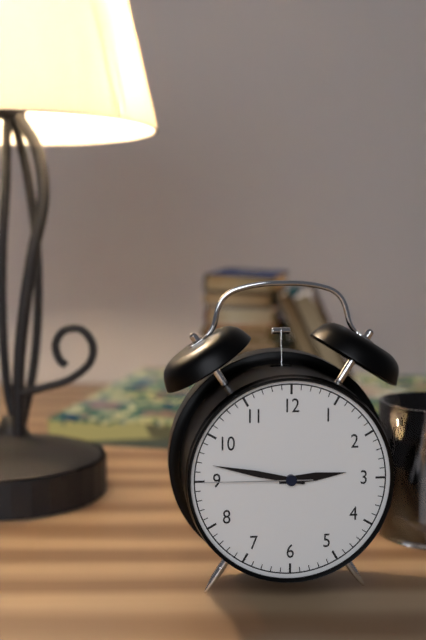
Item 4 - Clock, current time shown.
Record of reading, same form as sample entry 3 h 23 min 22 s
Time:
2 h 47 min 45 s
